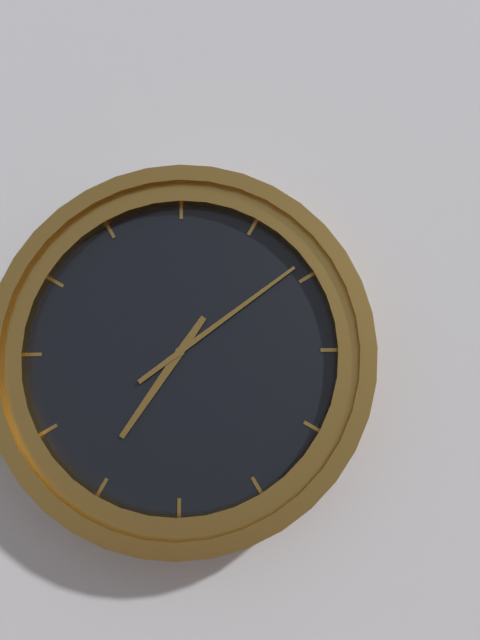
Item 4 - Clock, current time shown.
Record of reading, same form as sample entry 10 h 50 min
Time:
7 h 09 min
